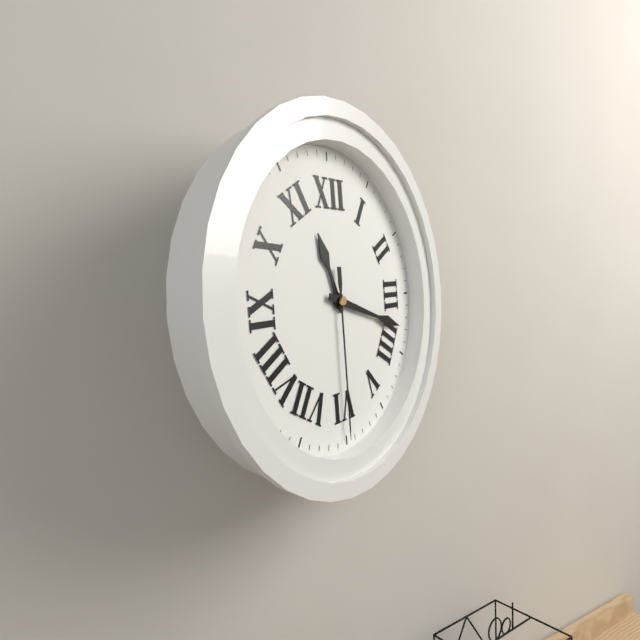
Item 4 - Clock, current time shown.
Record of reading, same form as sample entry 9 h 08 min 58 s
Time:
11 h 18 min 30 s
